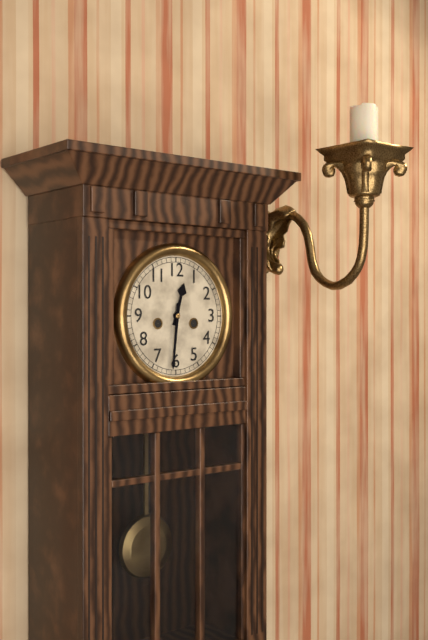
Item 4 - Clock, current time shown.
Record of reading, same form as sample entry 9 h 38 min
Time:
12 h 31 min
